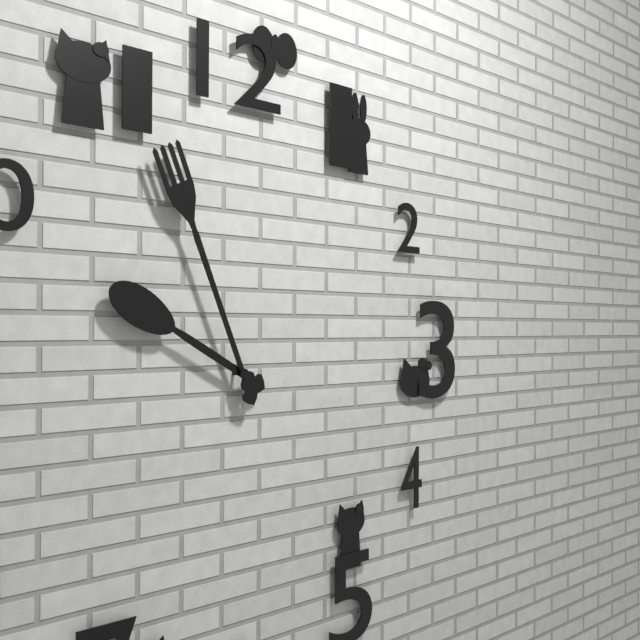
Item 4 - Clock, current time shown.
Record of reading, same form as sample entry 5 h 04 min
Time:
9 h 56 min
